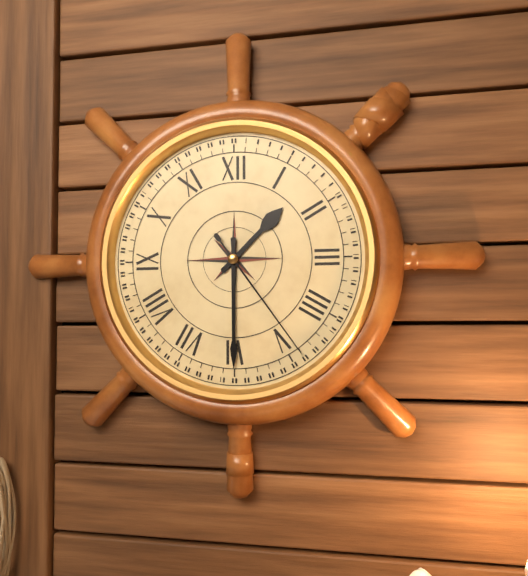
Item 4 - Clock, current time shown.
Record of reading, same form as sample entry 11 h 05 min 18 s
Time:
1 h 30 min 24 s
